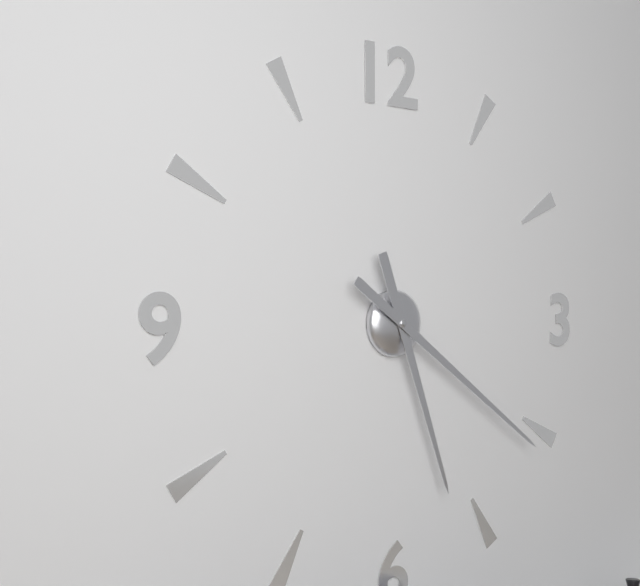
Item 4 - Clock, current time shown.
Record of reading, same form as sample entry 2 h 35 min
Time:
5 h 21 min
